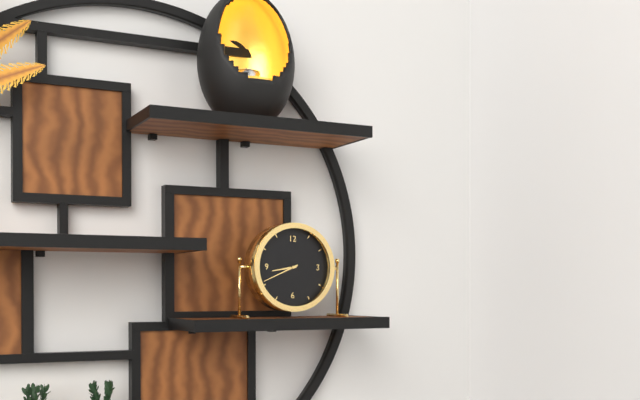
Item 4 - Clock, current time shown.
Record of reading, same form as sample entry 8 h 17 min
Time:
8 h 41 min
